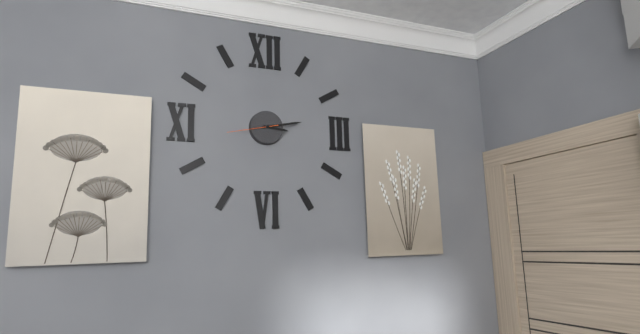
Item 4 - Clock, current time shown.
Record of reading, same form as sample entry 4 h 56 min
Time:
3 h 13 min
